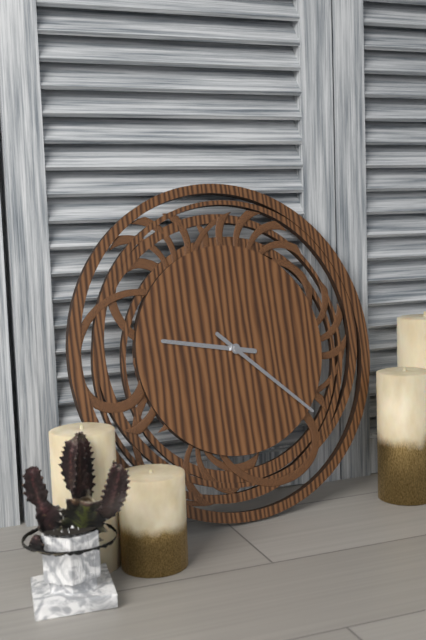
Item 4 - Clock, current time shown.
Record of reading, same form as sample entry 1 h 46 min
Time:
9 h 22 min
